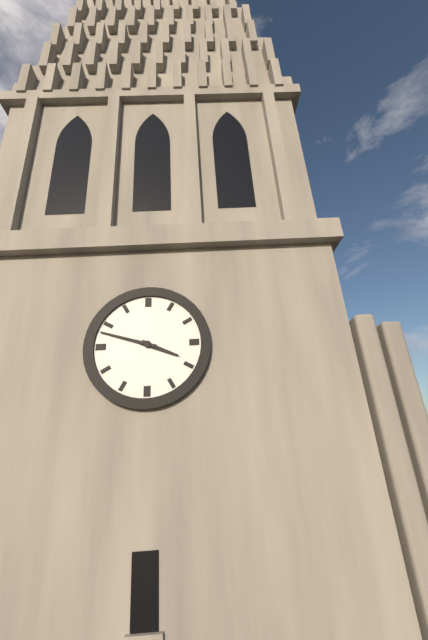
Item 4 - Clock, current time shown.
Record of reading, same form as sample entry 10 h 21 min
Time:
3 h 48 min
